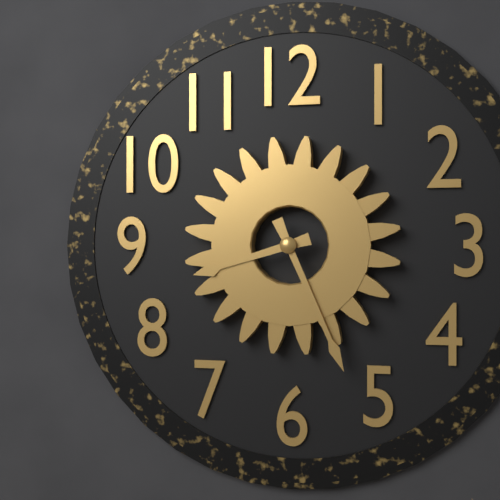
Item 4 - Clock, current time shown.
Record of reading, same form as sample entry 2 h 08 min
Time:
8 h 26 min
